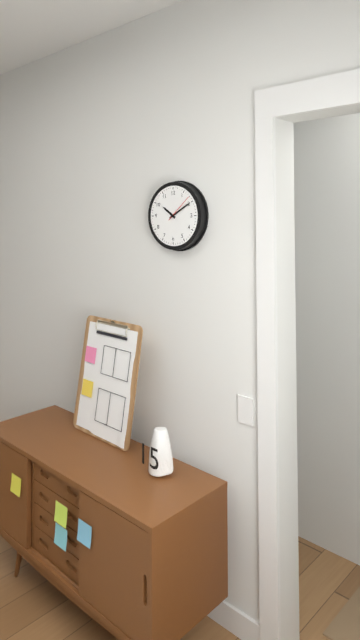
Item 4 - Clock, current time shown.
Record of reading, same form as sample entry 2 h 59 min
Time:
10 h 10 min
